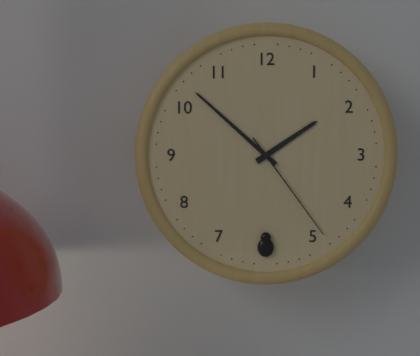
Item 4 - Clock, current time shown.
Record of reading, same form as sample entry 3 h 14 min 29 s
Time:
1 h 52 min 24 s
